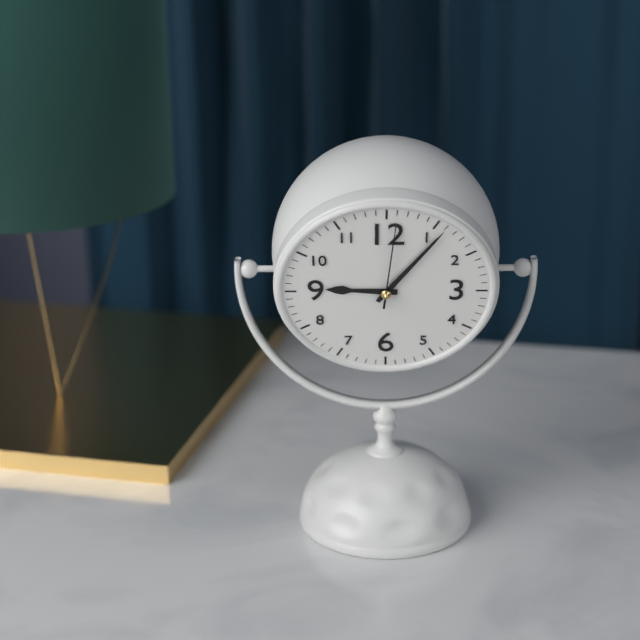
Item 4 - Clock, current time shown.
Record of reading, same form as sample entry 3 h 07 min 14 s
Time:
9 h 06 min 01 s
